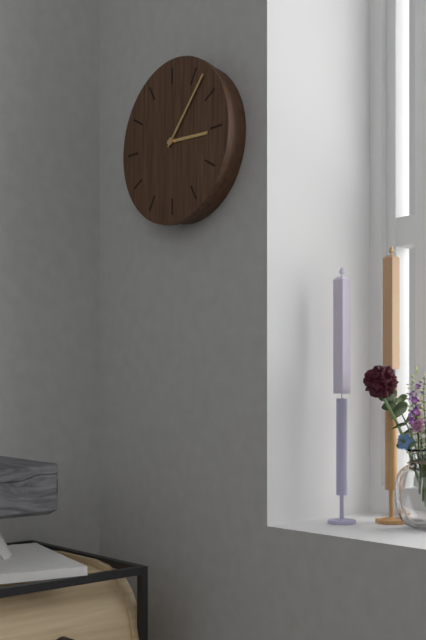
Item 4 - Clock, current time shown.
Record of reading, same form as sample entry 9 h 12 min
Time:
3 h 07 min
